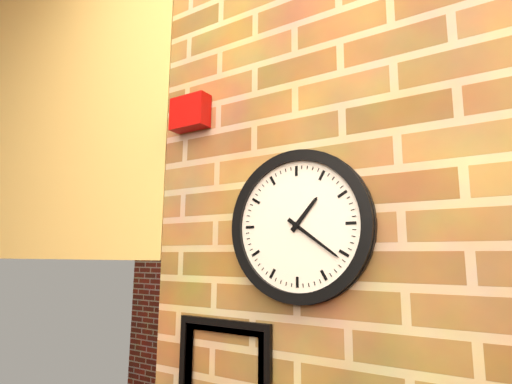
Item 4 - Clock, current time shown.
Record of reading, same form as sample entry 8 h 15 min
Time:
1 h 21 min
